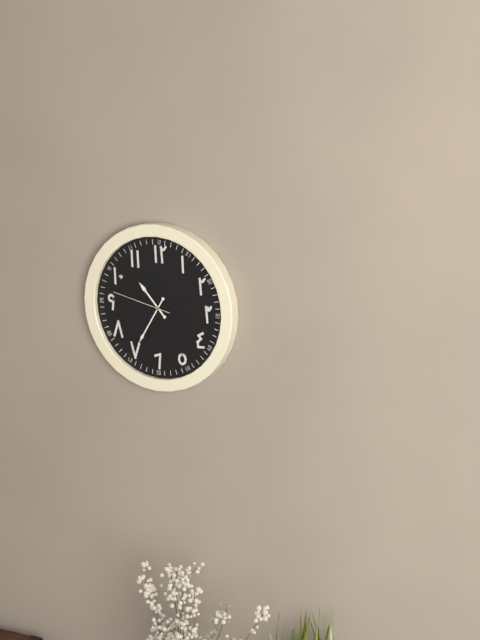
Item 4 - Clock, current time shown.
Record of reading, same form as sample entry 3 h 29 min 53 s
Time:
10 h 35 min 47 s
